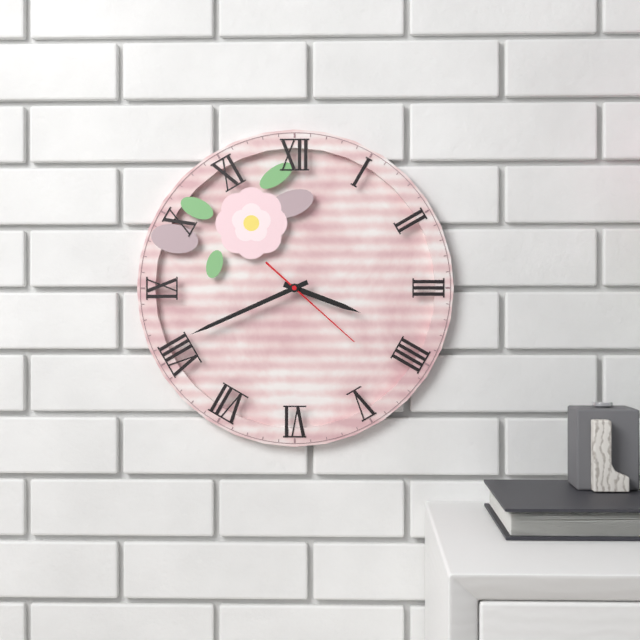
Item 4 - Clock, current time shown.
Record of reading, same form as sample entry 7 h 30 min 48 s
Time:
3 h 41 min 22 s
